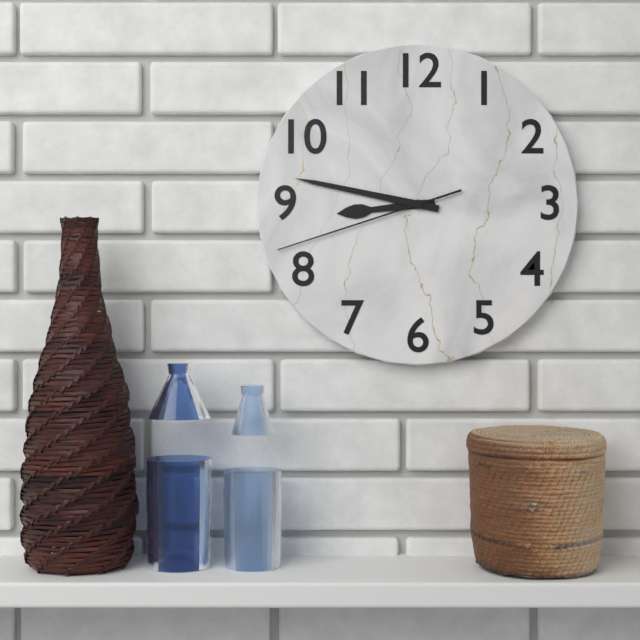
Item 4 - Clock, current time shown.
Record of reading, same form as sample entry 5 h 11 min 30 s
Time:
8 h 47 min 42 s
